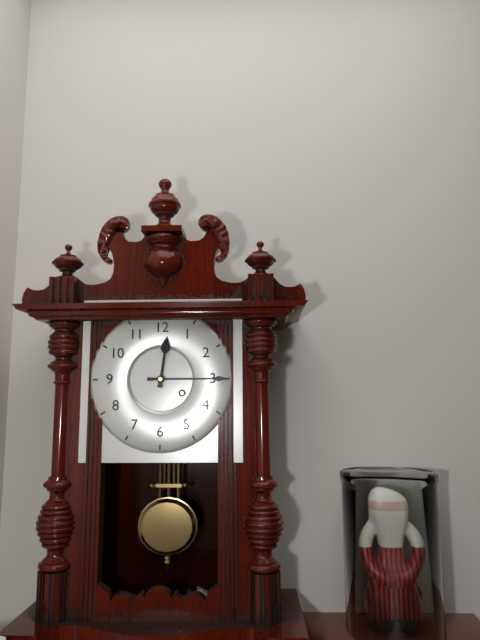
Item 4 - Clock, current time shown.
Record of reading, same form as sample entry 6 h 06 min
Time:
12 h 15 min
